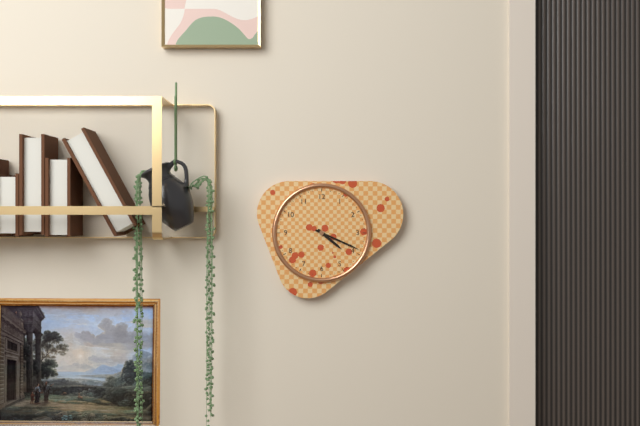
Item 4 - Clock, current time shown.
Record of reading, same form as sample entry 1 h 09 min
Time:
4 h 19 min
